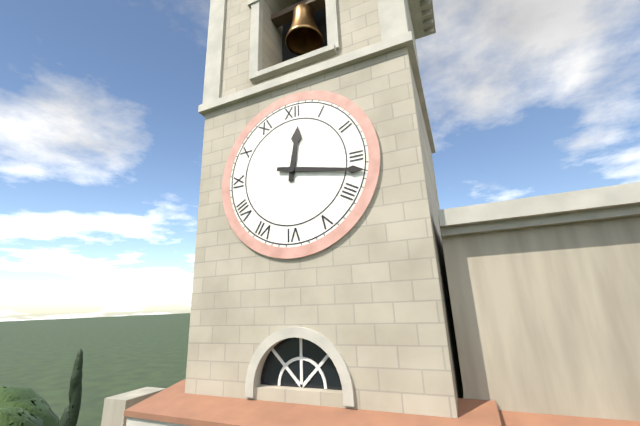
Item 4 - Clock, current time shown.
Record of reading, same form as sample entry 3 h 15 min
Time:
12 h 17 min
